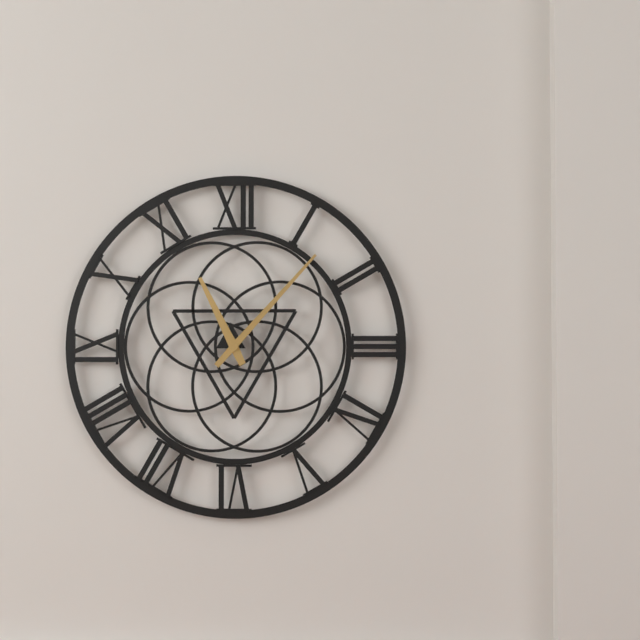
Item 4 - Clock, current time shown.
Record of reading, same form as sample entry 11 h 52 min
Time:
11 h 07 min
